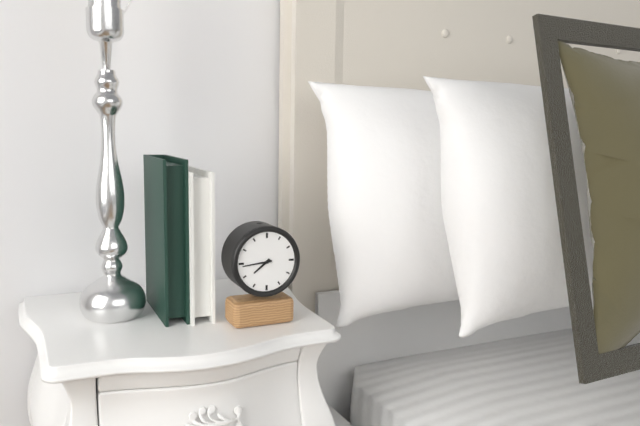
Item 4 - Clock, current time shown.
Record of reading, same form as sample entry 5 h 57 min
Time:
7 h 44 min
